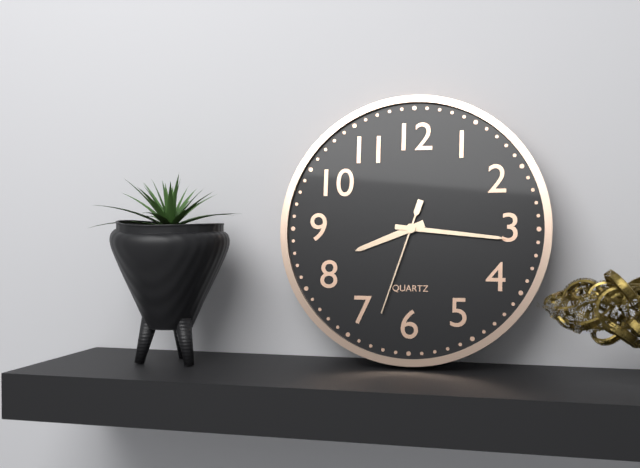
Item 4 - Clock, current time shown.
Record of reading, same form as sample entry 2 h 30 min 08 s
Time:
8 h 16 min 33 s
